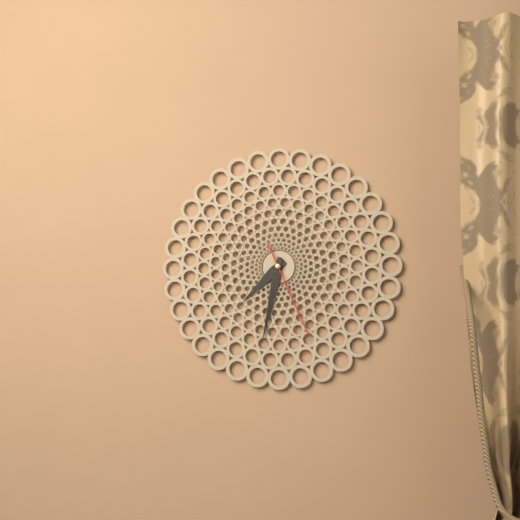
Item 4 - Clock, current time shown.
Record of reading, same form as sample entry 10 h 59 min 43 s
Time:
7 h 32 min 26 s
